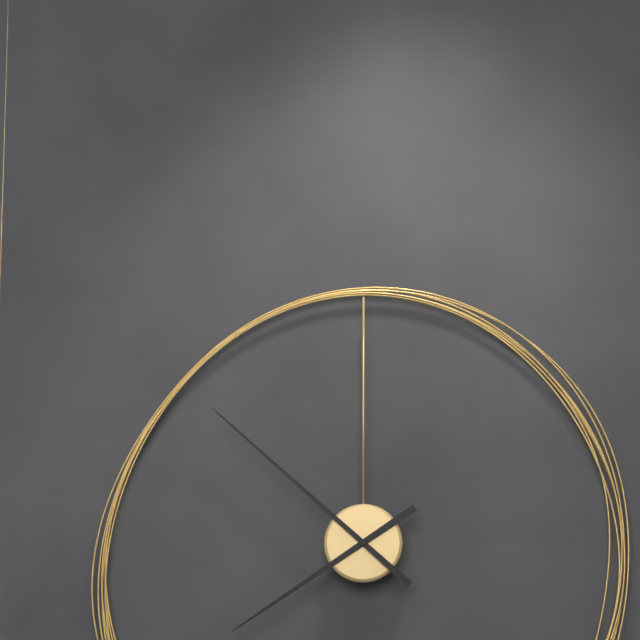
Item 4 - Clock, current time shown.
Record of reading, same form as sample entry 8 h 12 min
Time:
7 h 52 min
